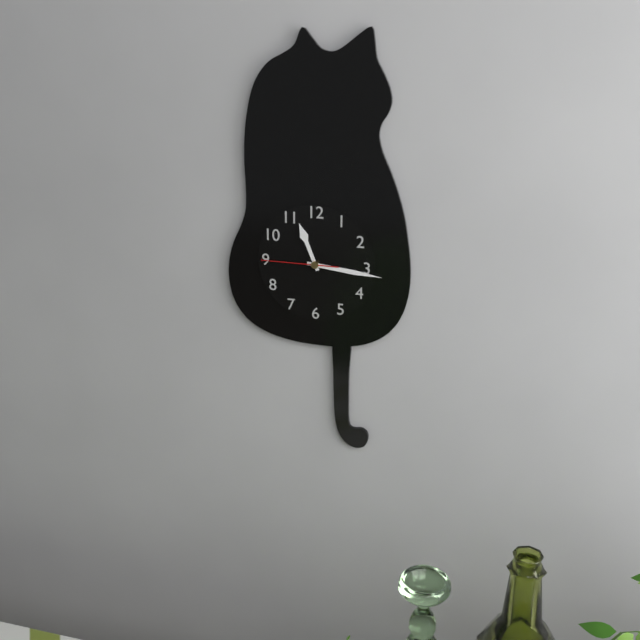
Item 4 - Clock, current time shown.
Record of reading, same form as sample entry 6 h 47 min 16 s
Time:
11 h 16 min 45 s
